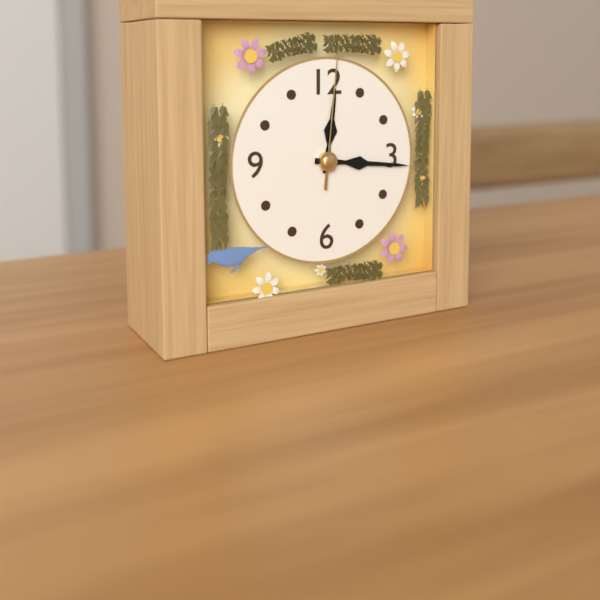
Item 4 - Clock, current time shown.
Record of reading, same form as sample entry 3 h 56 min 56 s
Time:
12 h 16 min 01 s
